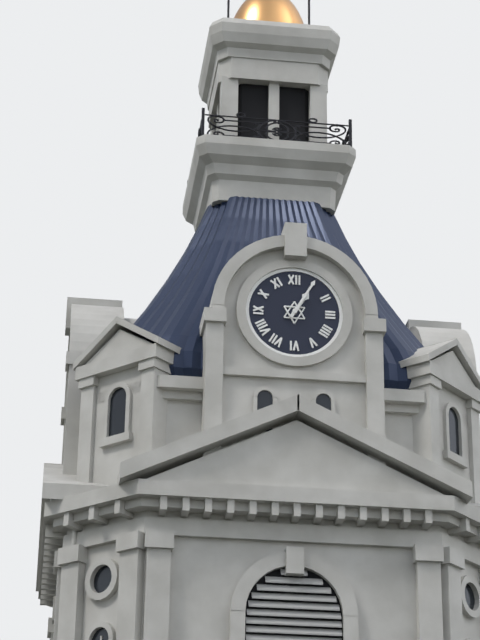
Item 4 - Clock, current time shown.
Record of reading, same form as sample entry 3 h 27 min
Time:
1 h 05 min
